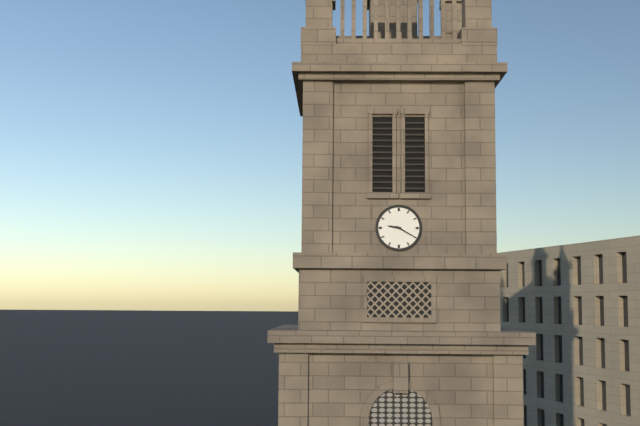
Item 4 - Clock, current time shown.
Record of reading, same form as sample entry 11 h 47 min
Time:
9 h 20 min
